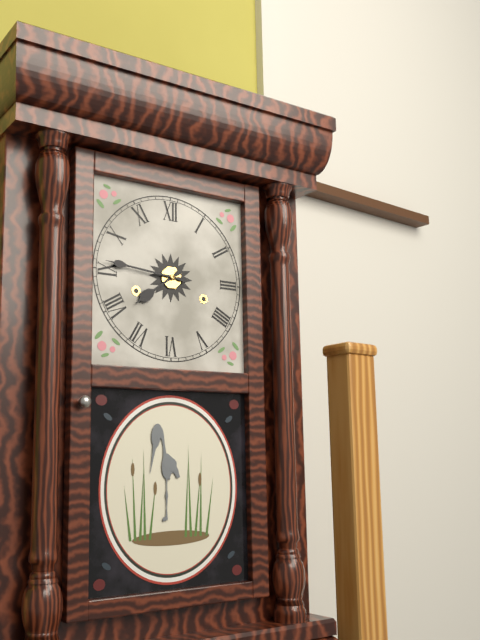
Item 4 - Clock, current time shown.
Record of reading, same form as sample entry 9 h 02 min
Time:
7 h 46 min
